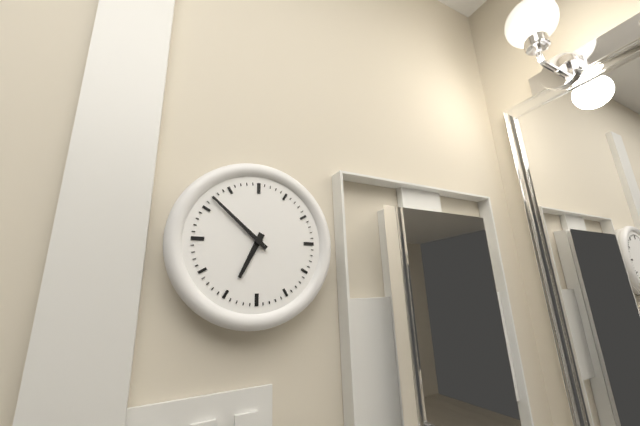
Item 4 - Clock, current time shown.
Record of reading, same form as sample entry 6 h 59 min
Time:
6 h 52 min
